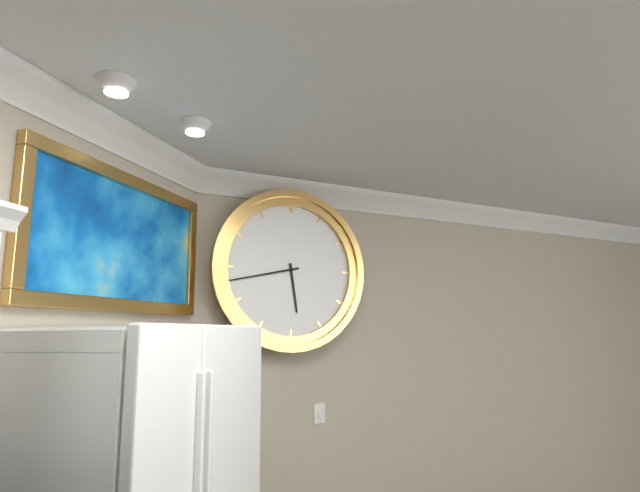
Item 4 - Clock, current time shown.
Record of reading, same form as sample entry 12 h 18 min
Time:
5 h 43 min
